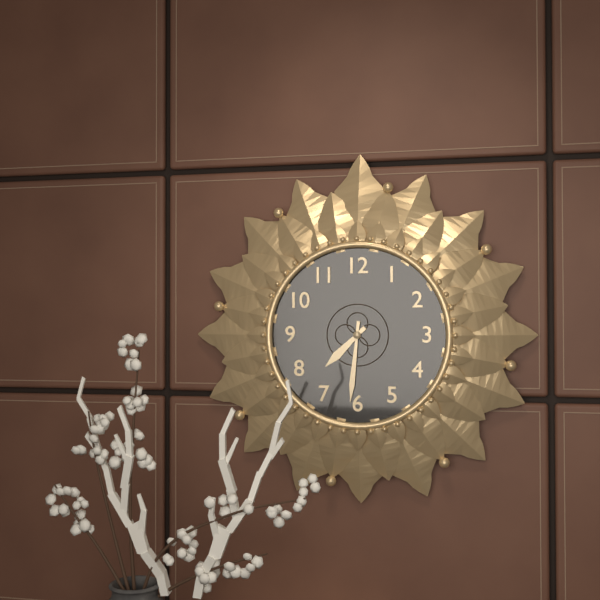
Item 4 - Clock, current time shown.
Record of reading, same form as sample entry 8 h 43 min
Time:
7 h 31 min
